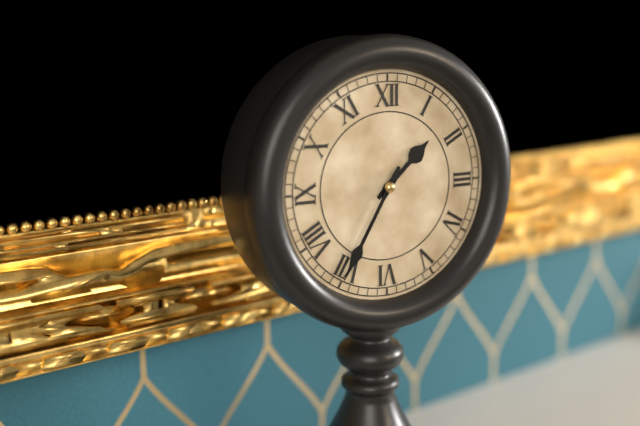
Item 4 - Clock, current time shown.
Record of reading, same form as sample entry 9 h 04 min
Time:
1 h 35 min
